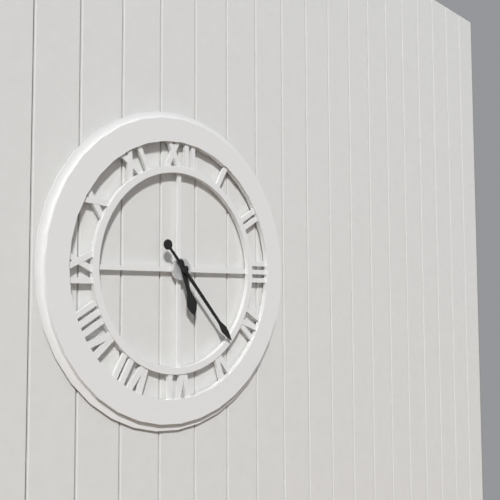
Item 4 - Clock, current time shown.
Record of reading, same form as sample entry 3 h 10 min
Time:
5 h 23 min
